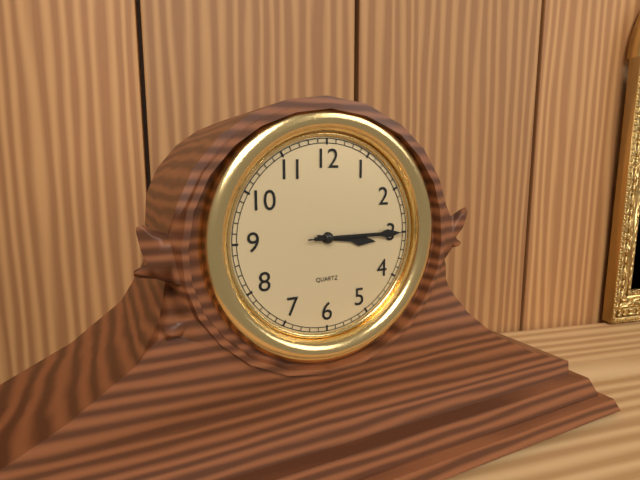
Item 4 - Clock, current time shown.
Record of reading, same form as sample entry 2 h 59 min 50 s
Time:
3 h 15 min 15 s
